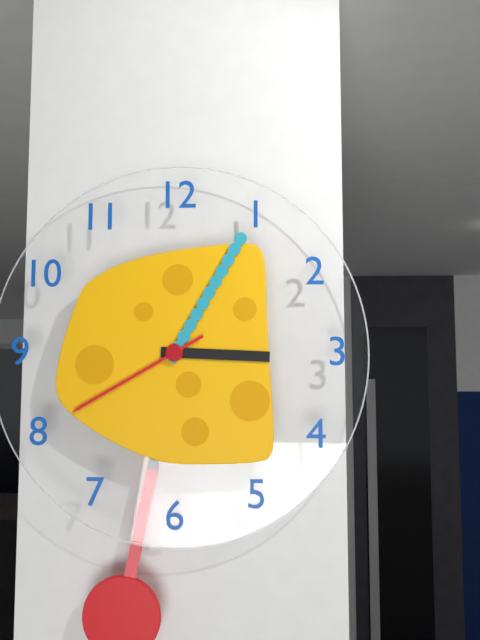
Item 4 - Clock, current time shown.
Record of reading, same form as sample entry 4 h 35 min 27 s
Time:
3 h 05 min 40 s
